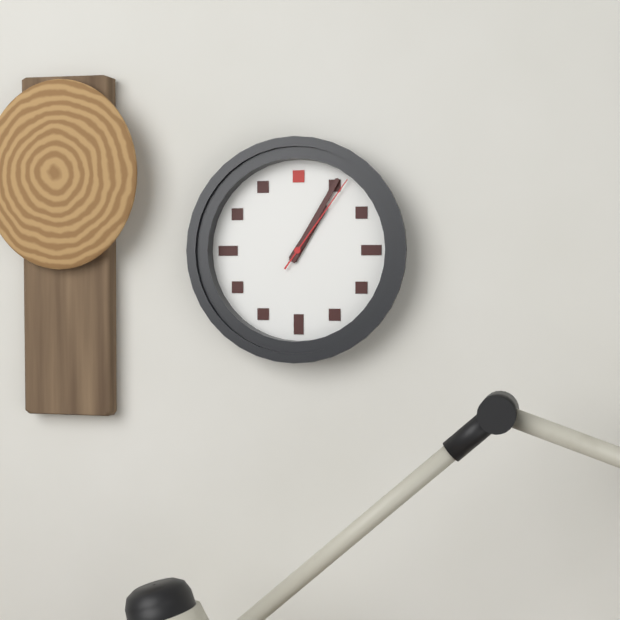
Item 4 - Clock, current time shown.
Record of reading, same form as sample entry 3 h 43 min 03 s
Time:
1 h 05 min 06 s
